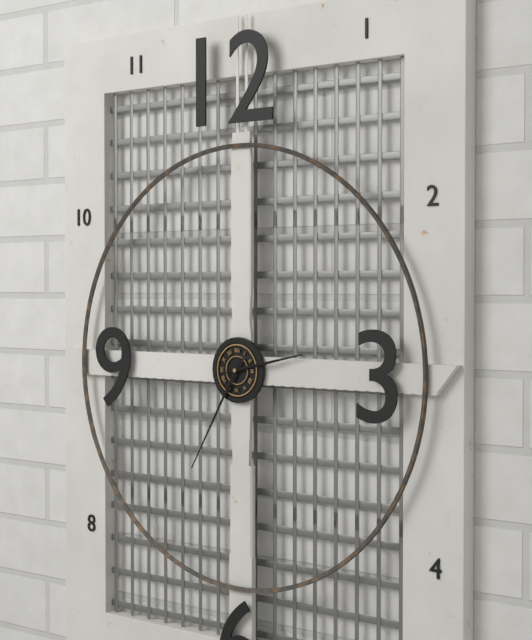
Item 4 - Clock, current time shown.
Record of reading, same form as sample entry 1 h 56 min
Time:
2 h 35 min
